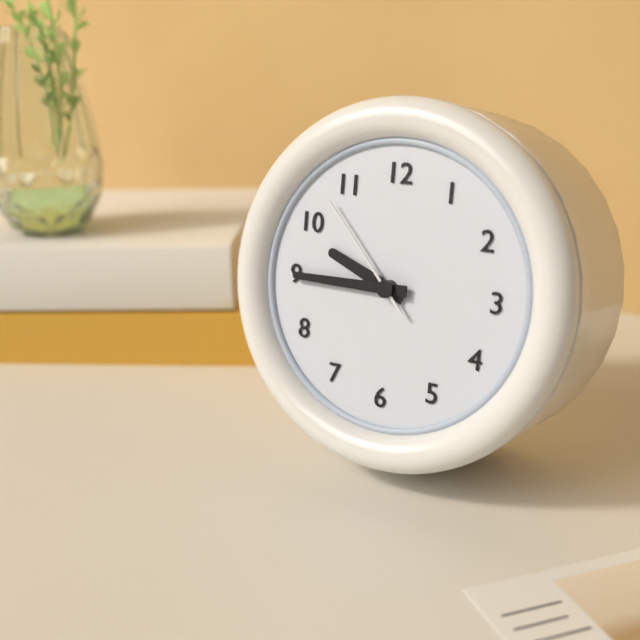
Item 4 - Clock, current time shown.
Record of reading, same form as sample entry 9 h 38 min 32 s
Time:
9 h 45 min 53 s
